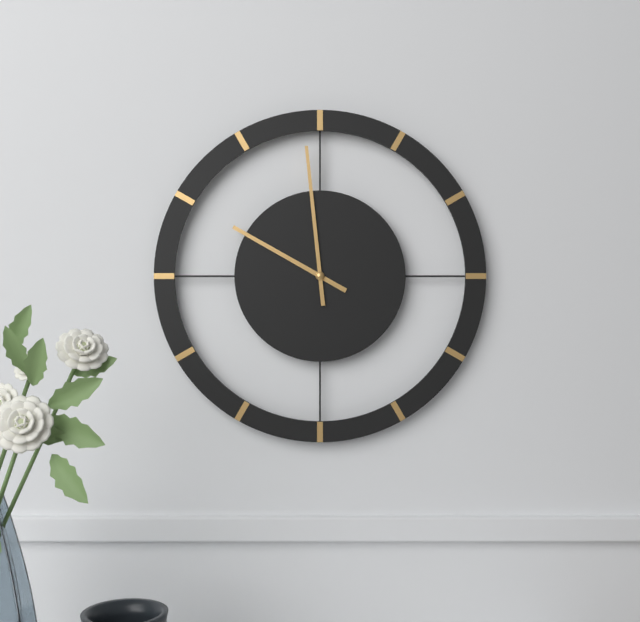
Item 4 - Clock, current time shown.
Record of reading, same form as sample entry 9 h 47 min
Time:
9 h 59 min
